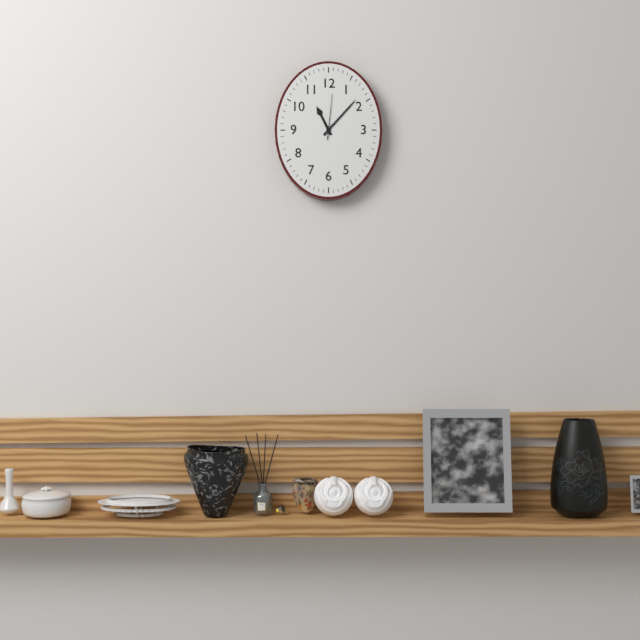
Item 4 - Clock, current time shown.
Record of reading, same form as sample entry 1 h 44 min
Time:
11 h 07 min
